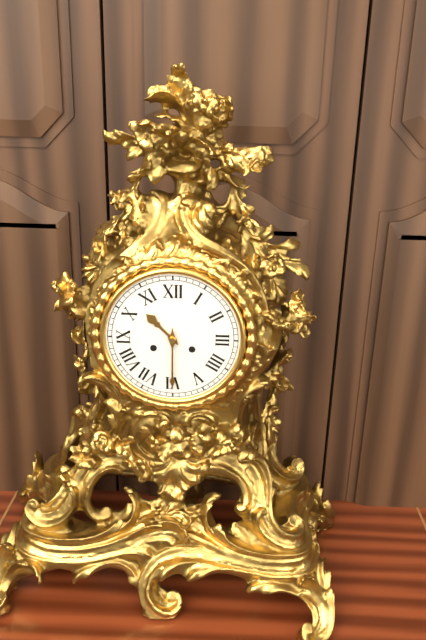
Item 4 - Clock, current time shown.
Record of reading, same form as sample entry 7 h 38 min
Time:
10 h 30 min
